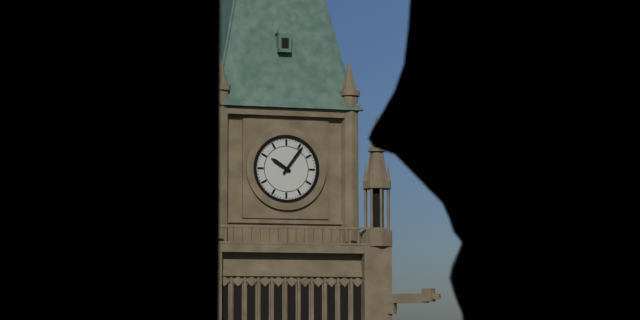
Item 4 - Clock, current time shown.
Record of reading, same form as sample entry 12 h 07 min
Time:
10 h 06 min
